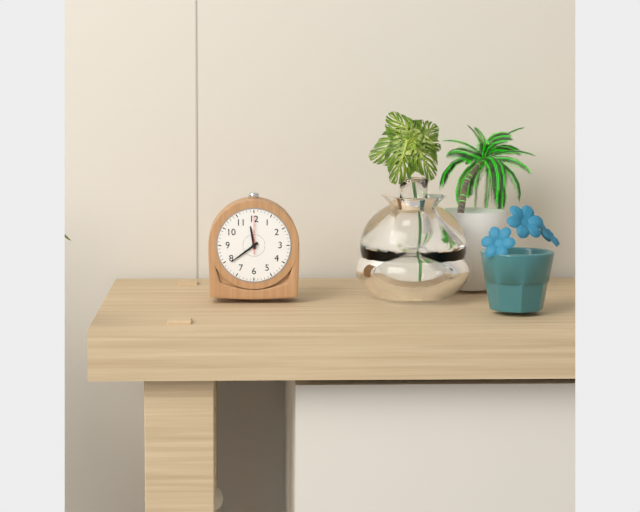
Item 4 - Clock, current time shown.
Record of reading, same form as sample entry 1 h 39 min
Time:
11 h 39 min
